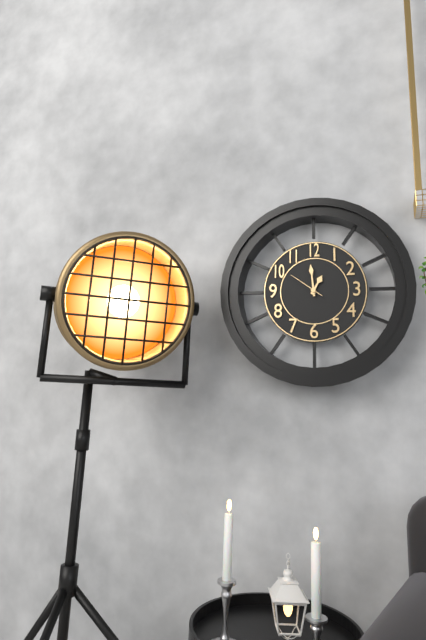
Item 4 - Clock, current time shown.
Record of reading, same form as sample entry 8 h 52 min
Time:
12 h 59 min
